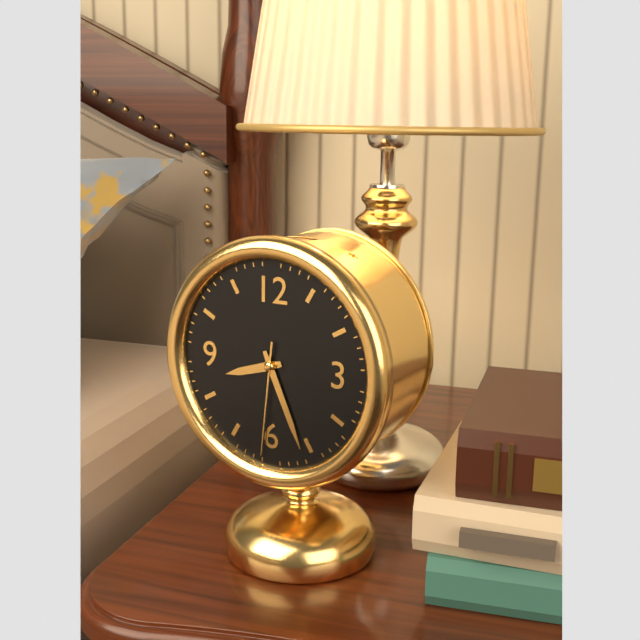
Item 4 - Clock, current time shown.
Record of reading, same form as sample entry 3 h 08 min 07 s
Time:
8 h 26 min 31 s
